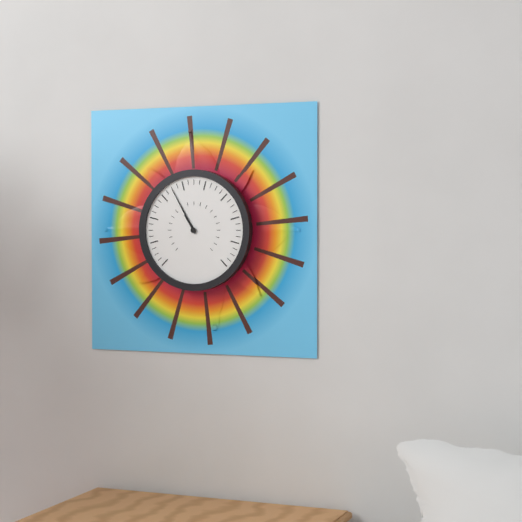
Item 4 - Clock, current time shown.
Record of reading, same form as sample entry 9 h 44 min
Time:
10 h 55 min
